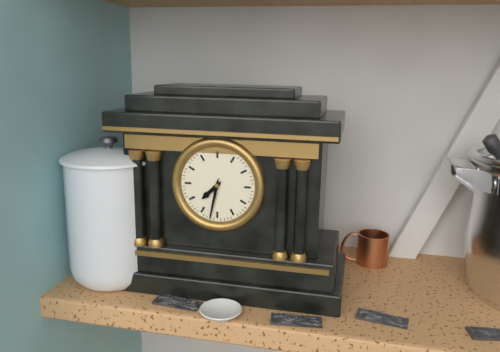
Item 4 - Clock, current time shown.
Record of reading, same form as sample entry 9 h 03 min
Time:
7 h 32 min
